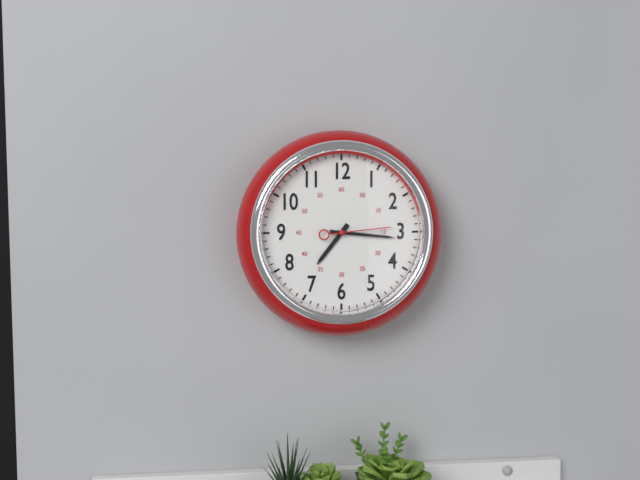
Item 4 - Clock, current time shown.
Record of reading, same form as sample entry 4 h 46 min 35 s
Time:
7 h 16 min 14 s
